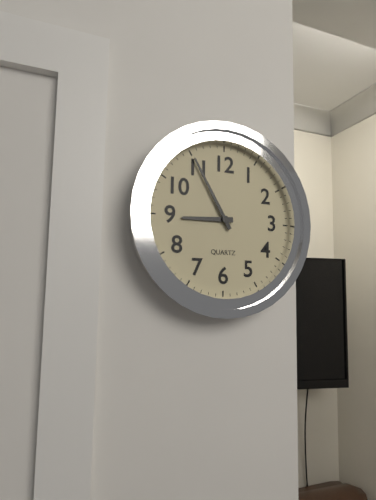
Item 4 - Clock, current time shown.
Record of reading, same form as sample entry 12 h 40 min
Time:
8 h 55 min
